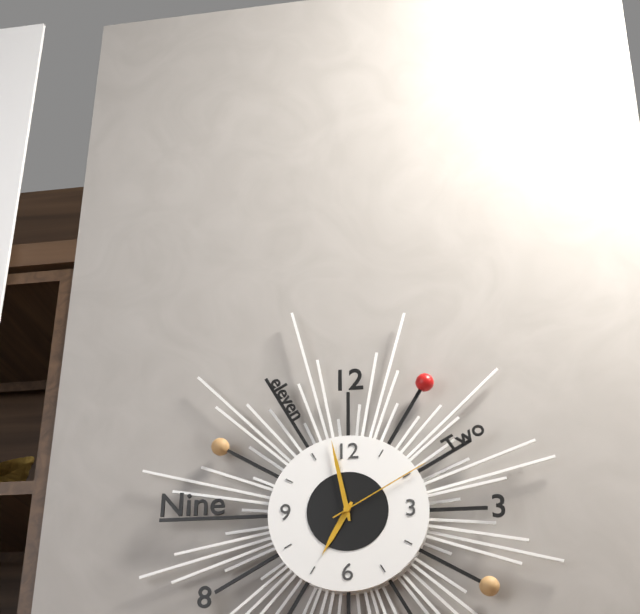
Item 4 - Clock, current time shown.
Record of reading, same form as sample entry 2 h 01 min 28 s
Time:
6 h 58 min 10 s
